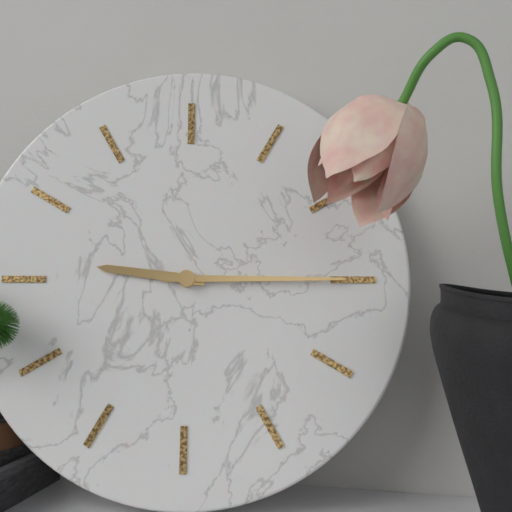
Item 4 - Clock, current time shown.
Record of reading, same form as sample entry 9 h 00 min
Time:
9 h 15 min
